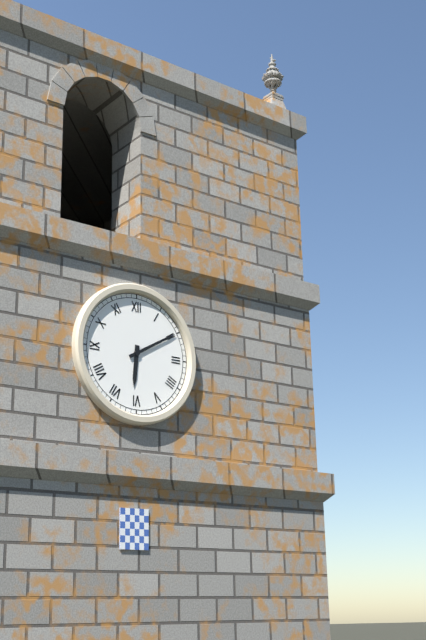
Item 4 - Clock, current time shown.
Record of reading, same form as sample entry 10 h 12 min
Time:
6 h 10 min
